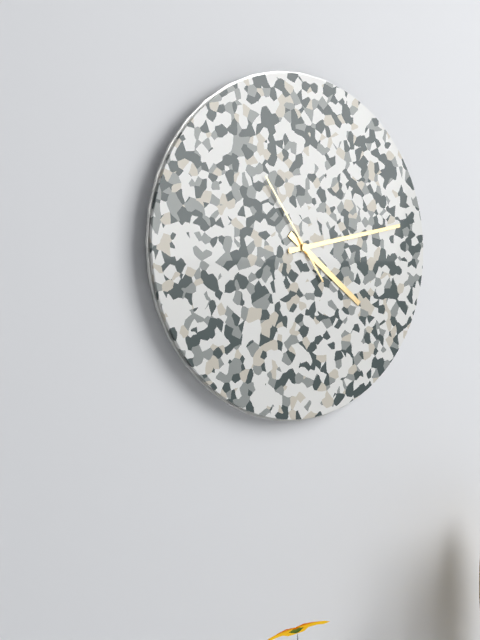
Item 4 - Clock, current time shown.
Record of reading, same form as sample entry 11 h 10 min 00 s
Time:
4 h 13 min 54 s
